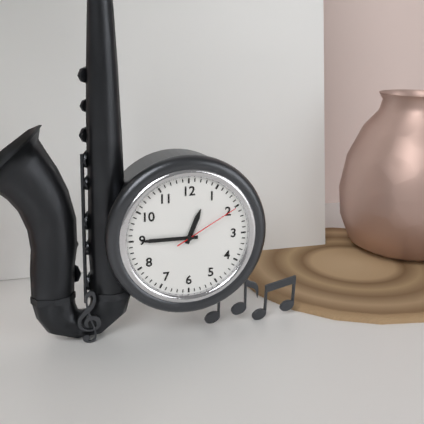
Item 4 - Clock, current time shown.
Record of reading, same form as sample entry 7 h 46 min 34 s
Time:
12 h 45 min 10 s
